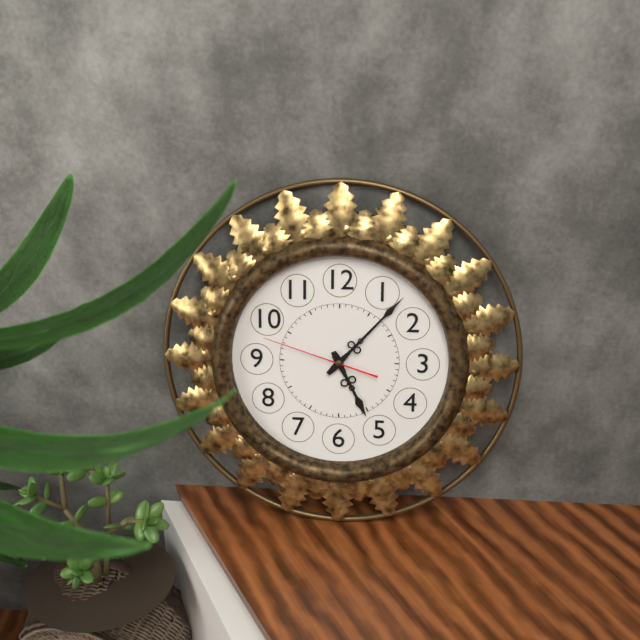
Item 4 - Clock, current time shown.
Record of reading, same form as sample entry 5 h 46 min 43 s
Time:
5 h 07 min 48 s
